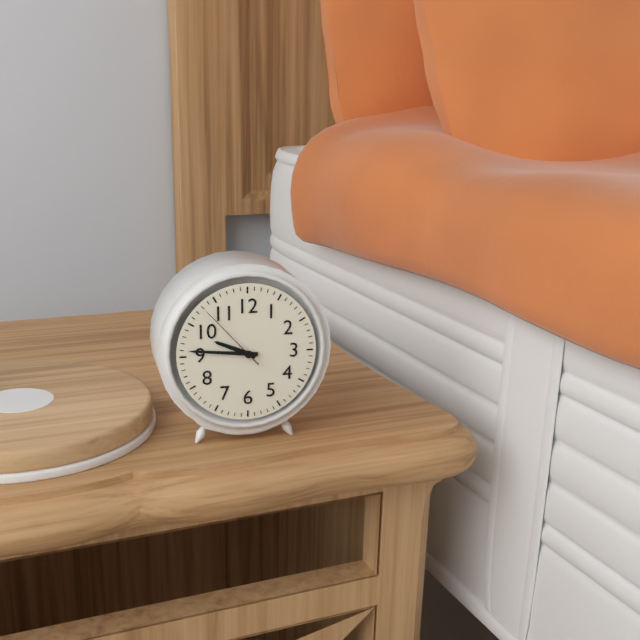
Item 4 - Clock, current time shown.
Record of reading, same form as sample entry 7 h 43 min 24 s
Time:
9 h 46 min 53 s
